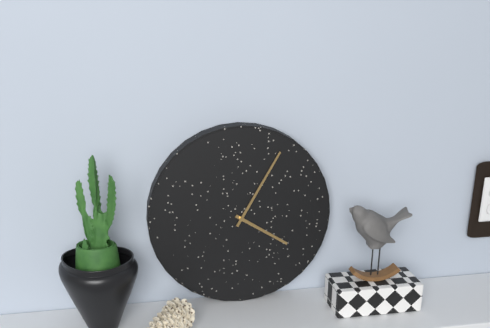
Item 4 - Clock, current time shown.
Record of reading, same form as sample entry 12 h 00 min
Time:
4 h 05 min
